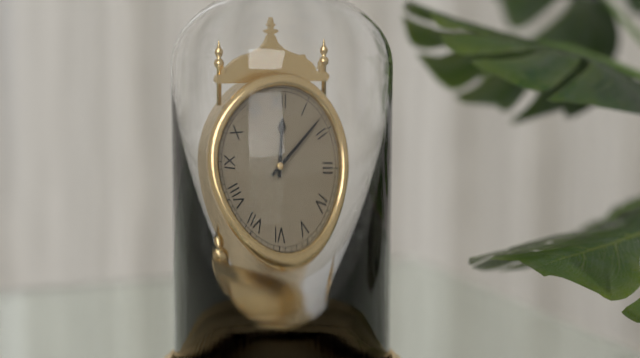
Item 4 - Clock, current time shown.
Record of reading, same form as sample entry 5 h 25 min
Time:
12 h 08 min
